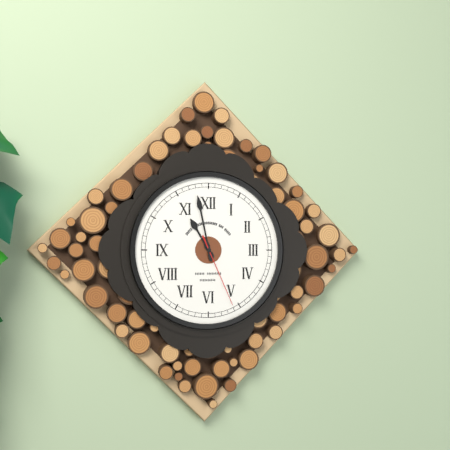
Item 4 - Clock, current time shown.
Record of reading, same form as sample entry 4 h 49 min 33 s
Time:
10 h 58 min 26 s
